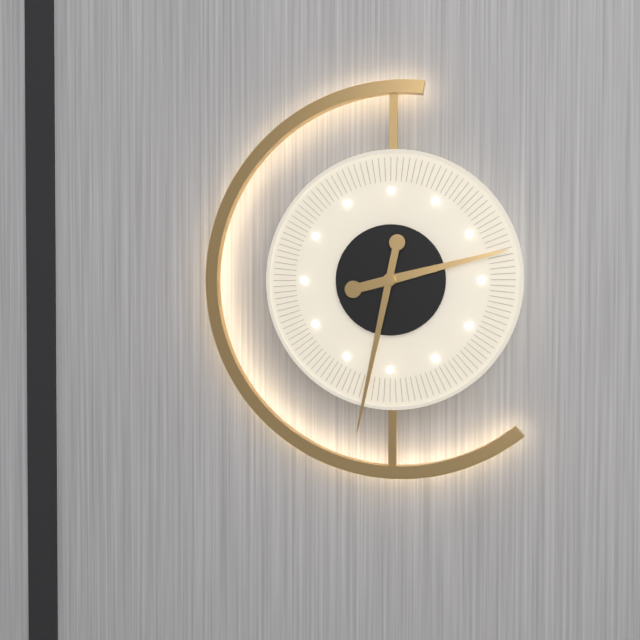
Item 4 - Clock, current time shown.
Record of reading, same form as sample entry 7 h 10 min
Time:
2 h 32 min
